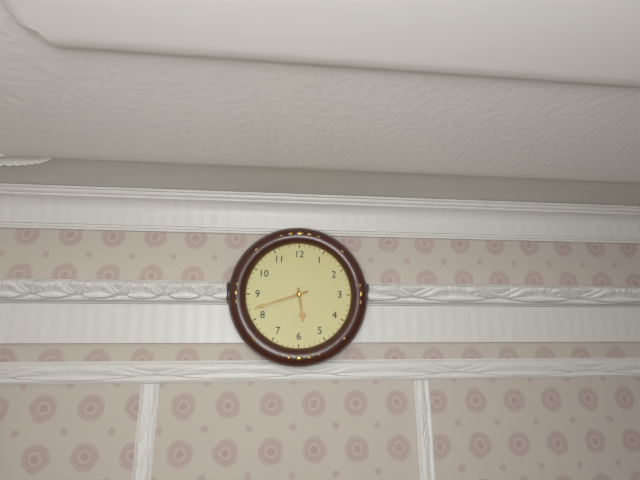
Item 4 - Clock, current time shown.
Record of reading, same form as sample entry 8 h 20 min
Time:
5 h 42 min
